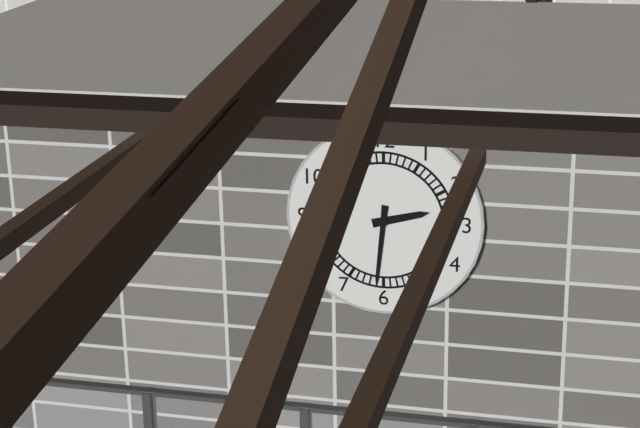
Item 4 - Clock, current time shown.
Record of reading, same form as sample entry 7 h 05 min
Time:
2 h 31 min
